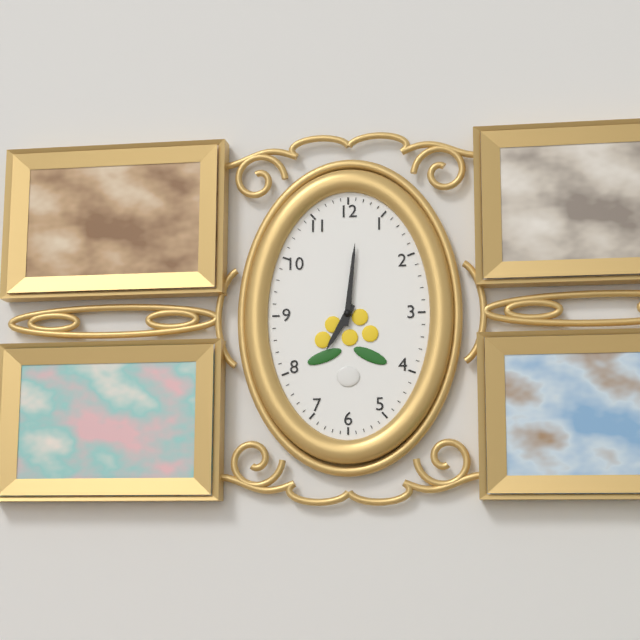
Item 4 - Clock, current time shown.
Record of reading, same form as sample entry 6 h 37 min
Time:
7 h 01 min
